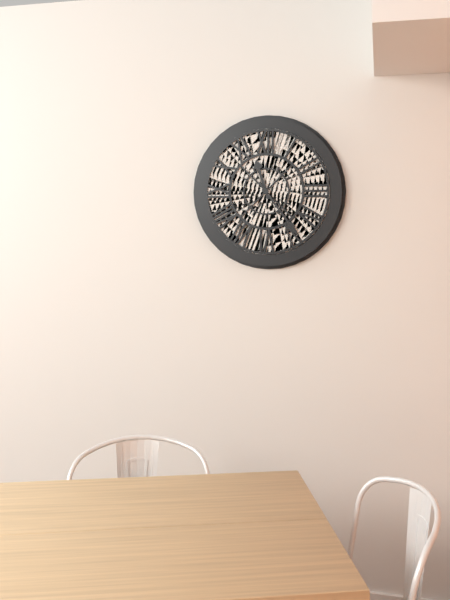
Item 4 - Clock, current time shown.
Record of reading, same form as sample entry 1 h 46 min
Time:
11 h 24 min
